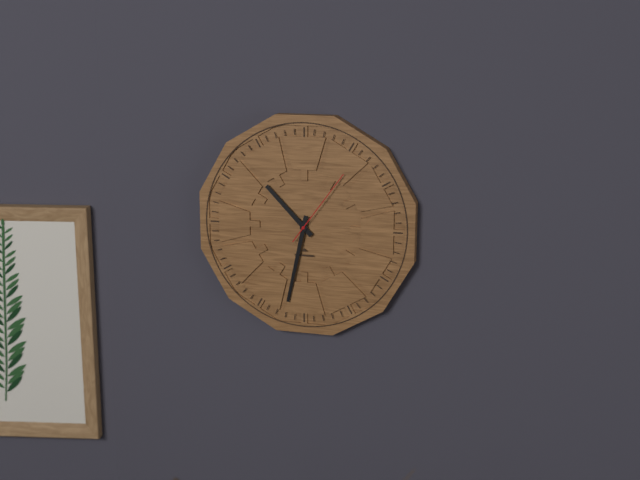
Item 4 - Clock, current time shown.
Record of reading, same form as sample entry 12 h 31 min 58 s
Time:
10 h 32 min 06 s
